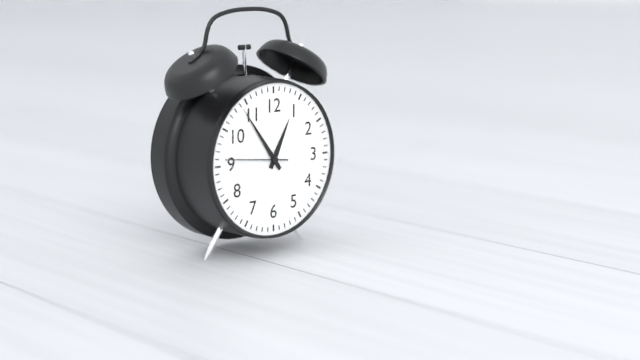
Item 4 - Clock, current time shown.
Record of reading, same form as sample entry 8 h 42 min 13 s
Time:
12 h 54 min 46 s
